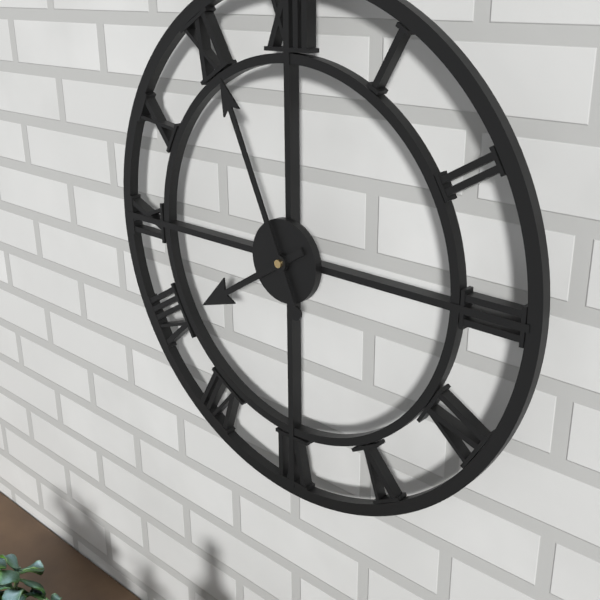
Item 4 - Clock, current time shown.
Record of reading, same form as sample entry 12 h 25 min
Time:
7 h 56 min
